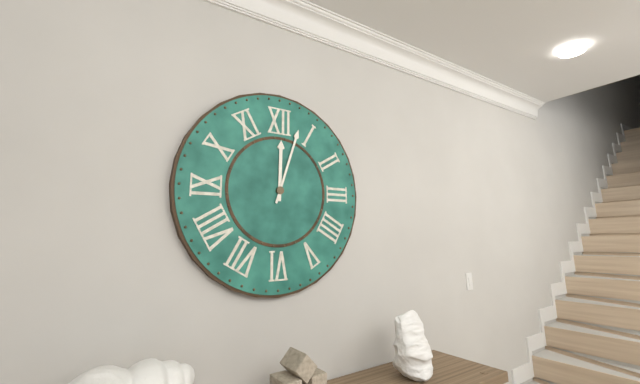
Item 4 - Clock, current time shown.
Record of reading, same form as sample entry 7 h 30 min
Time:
12 h 03 min
